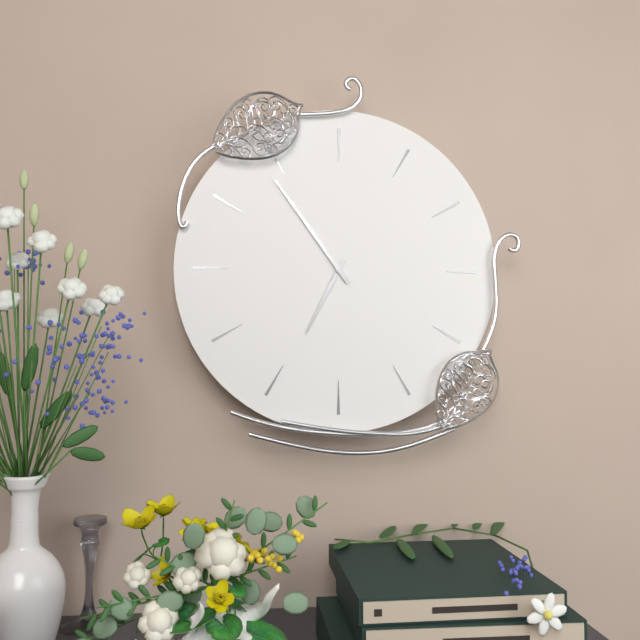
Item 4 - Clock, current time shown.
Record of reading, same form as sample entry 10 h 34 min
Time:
6 h 54 min
